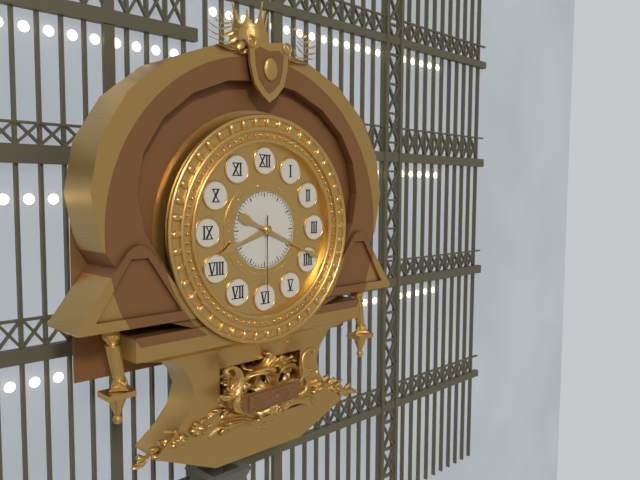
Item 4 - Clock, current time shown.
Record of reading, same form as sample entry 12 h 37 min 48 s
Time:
8 h 19 min 30 s
